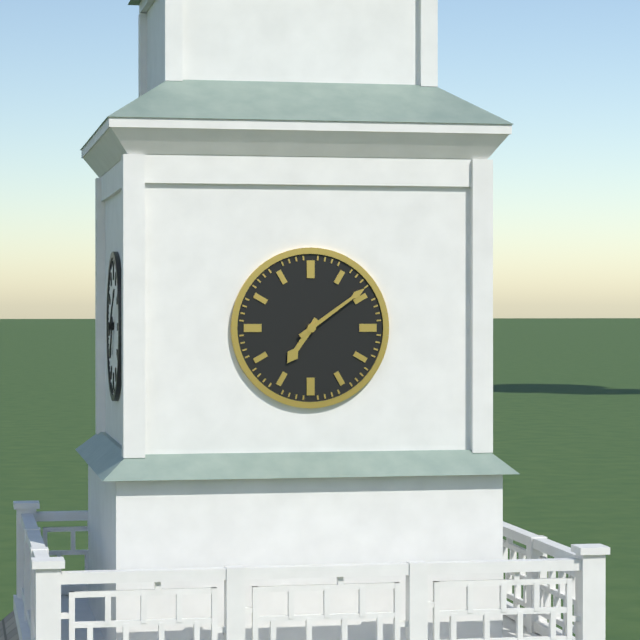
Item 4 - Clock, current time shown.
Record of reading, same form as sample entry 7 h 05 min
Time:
7 h 09 min
